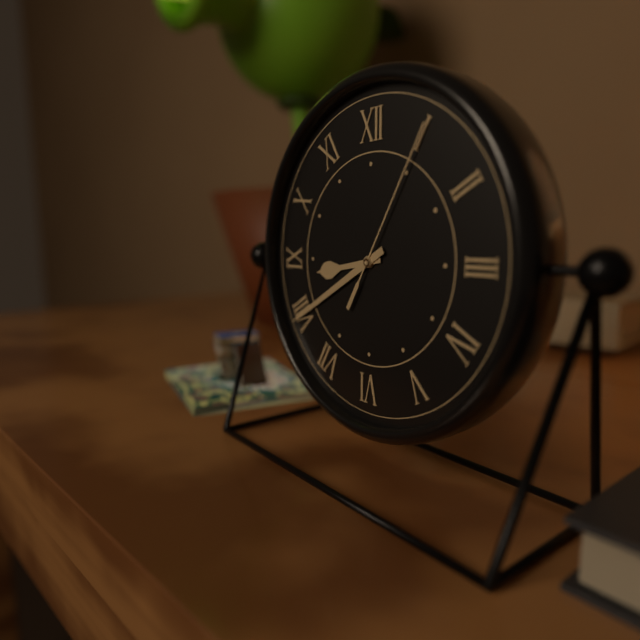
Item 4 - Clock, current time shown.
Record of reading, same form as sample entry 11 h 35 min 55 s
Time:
8 h 40 min 05 s
